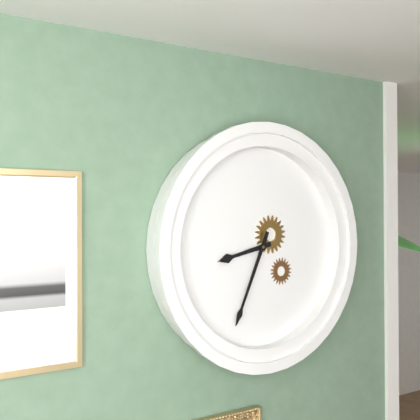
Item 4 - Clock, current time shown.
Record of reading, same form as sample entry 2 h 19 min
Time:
8 h 34 min
